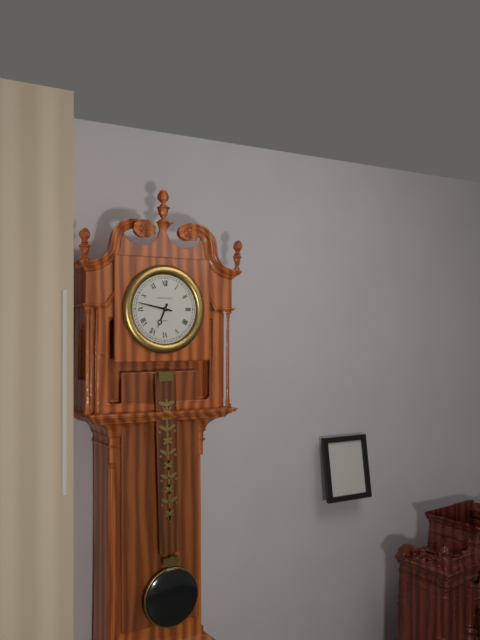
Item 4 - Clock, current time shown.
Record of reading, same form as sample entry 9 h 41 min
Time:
6 h 47 min
